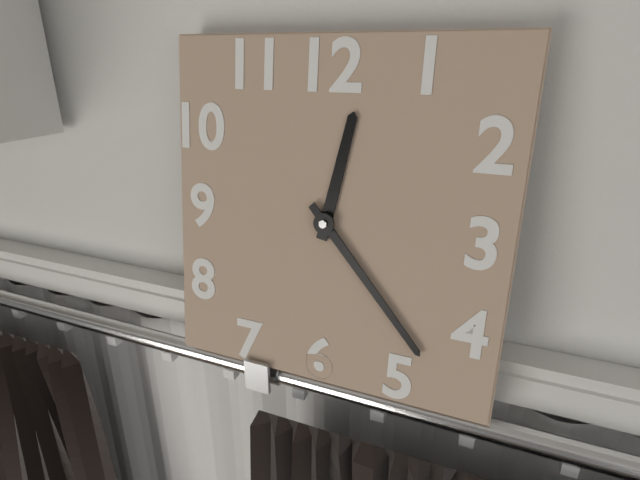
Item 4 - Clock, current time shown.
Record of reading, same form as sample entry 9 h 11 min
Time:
12 h 23 min
